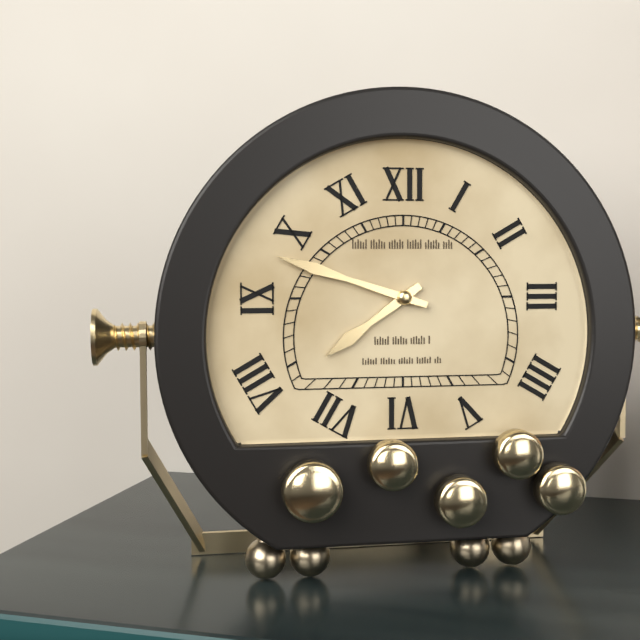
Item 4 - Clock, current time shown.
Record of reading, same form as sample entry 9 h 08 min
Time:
7 h 48 min
